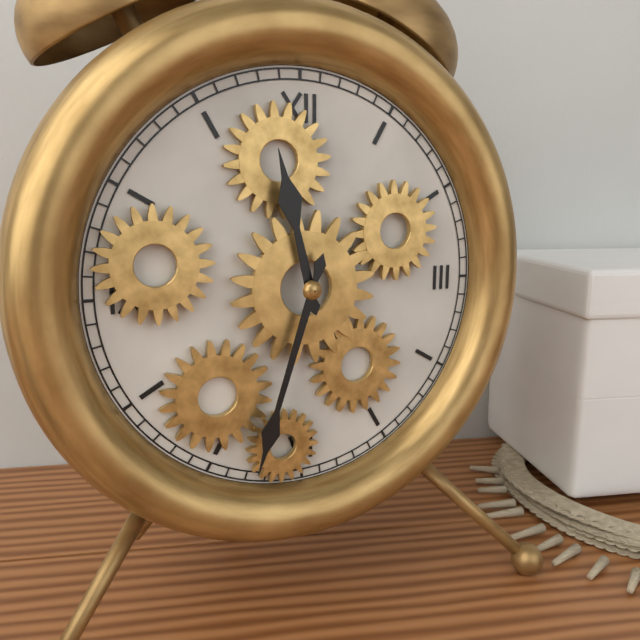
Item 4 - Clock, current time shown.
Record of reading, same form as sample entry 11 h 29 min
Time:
11 h 33 min
